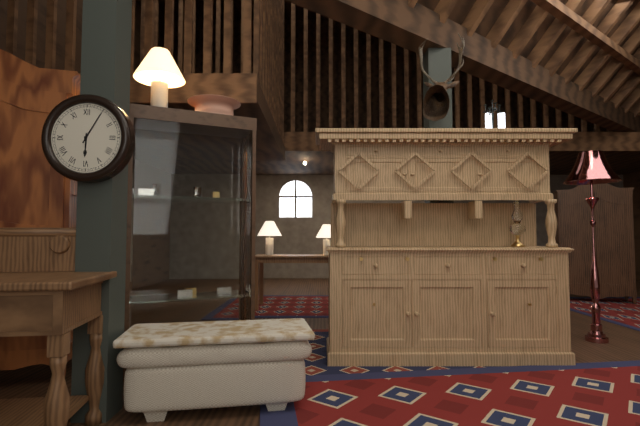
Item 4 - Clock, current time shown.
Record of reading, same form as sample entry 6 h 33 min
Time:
6 h 05 min
